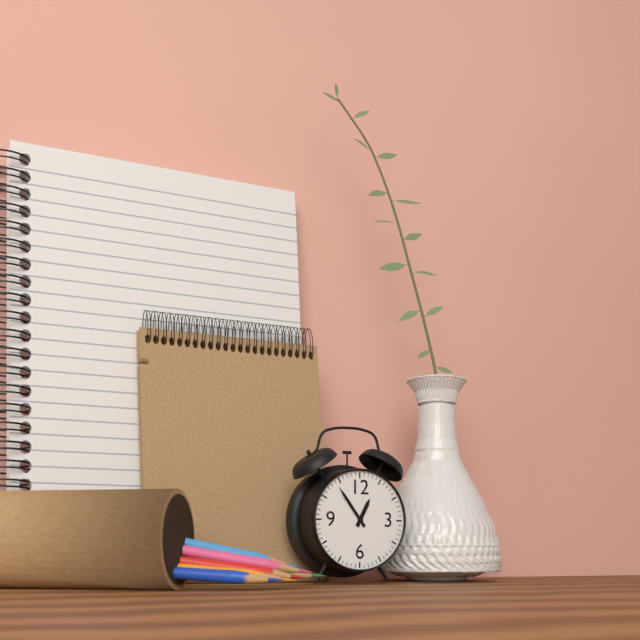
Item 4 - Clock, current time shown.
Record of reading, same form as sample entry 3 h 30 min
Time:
12 h 54 min
